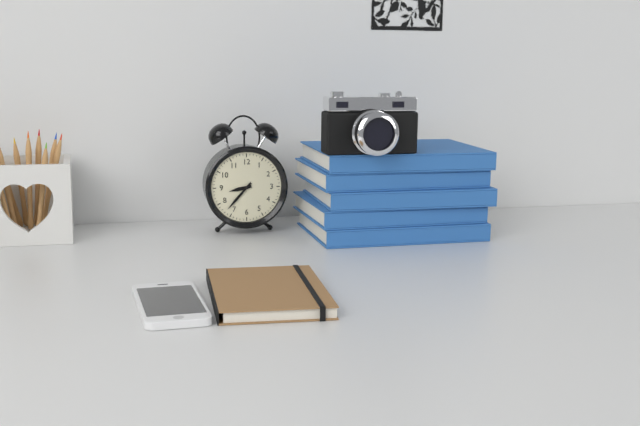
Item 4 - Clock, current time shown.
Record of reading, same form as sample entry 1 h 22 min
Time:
8 h 37 min
